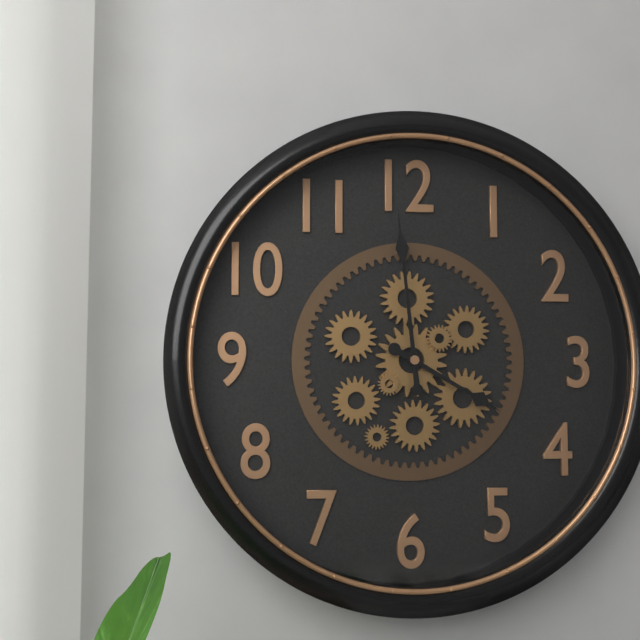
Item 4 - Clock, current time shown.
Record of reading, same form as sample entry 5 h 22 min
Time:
3 h 59 min
